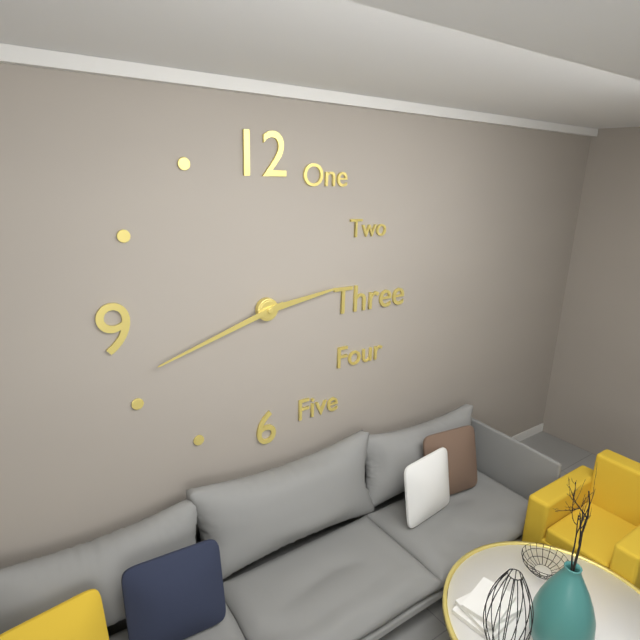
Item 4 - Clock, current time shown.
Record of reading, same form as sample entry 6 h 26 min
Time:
2 h 42 min
